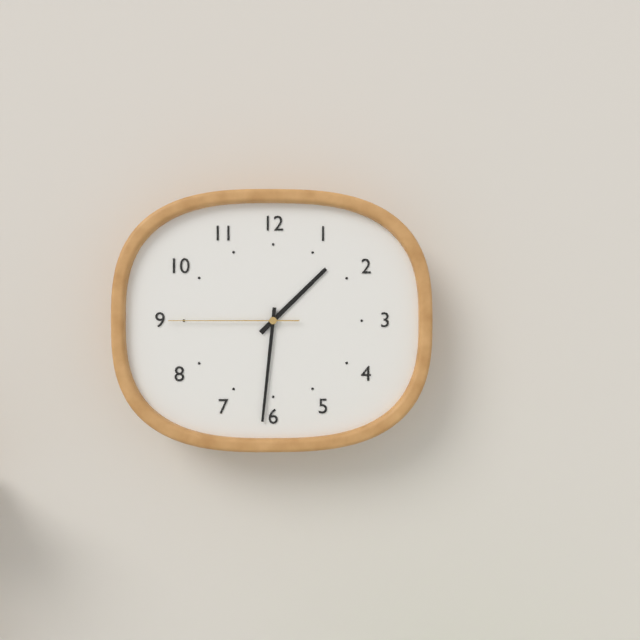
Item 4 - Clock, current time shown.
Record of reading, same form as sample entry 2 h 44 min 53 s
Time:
1 h 31 min 45 s
